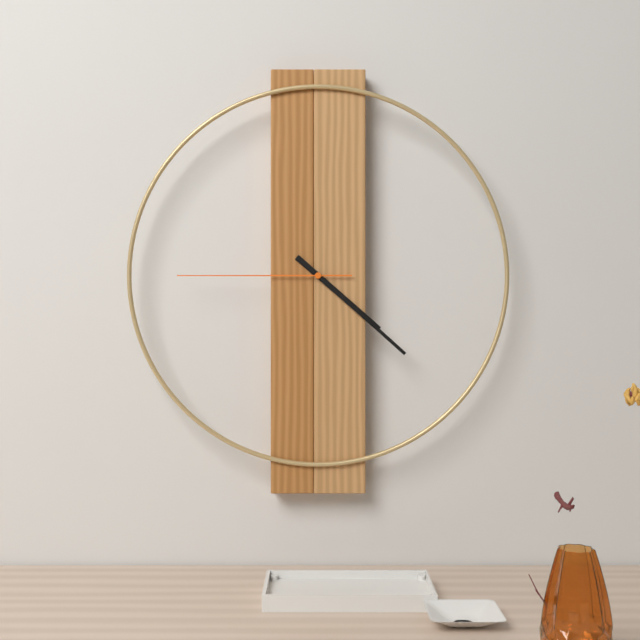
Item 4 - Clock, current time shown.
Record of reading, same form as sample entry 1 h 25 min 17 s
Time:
4 h 22 min 45 s
